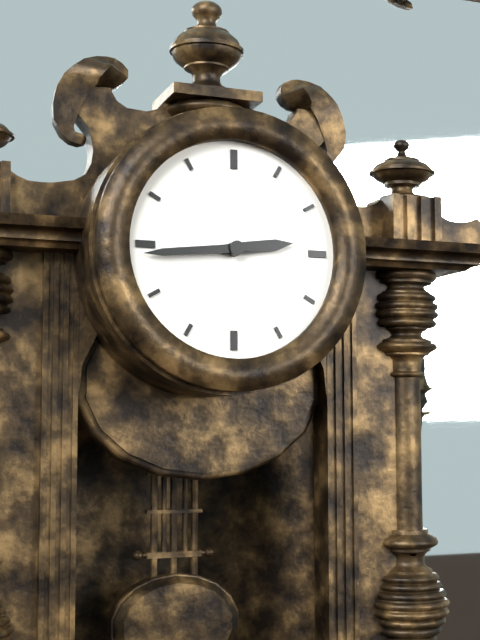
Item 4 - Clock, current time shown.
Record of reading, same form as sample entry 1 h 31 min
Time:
2 h 44 min
